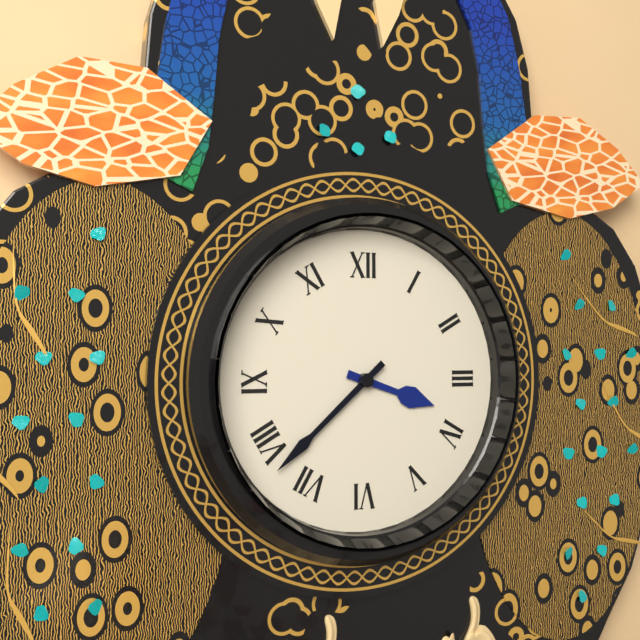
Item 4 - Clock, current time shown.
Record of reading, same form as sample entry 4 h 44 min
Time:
3 h 38 min
